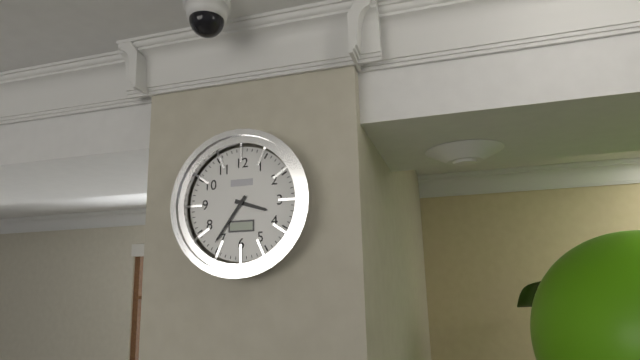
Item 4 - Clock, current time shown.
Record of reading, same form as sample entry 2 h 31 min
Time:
3 h 36 min
